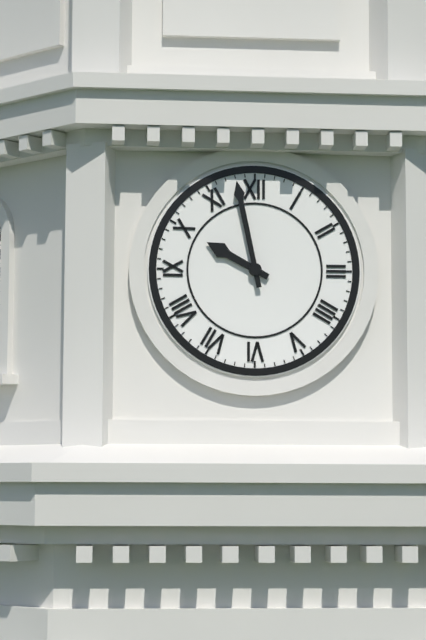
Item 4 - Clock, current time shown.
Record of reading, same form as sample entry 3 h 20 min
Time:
9 h 58 min
